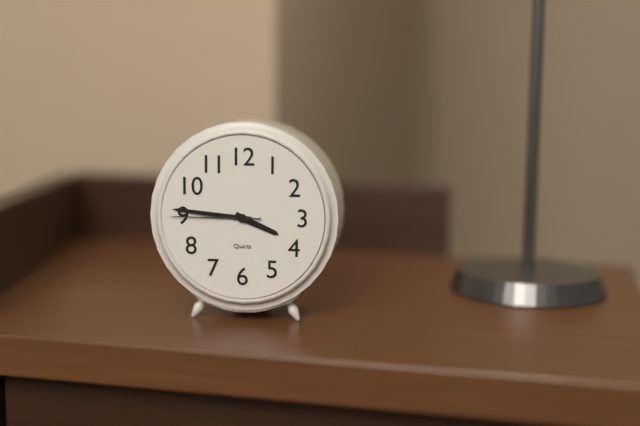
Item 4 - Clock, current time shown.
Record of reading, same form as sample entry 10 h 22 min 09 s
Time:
3 h 46 min 45 s
